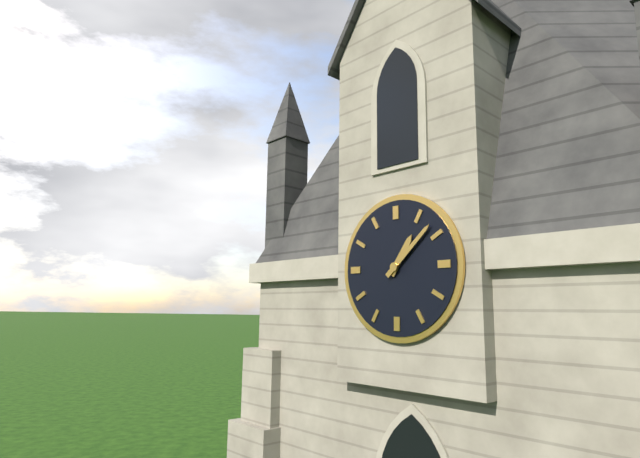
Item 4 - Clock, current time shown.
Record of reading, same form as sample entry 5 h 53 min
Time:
1 h 08 min
